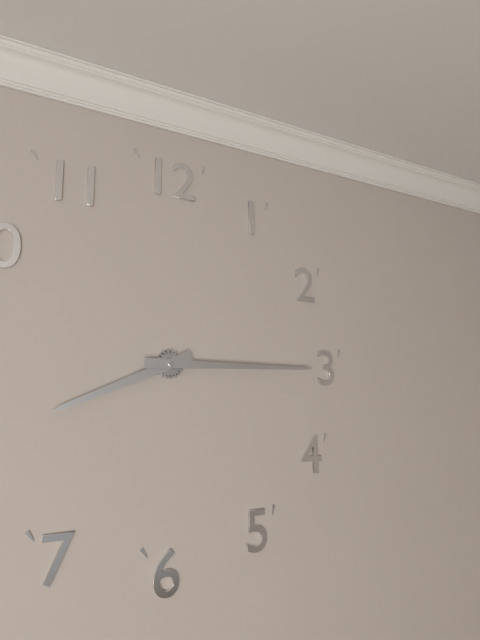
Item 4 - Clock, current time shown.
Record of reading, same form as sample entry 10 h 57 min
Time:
8 h 15 min
